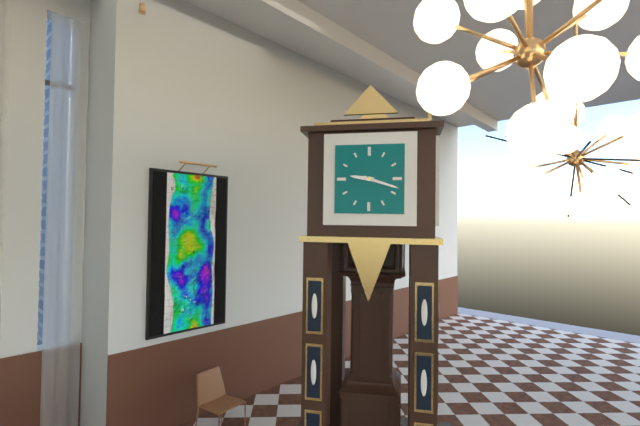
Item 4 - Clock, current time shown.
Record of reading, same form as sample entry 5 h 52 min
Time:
9 h 18 min
